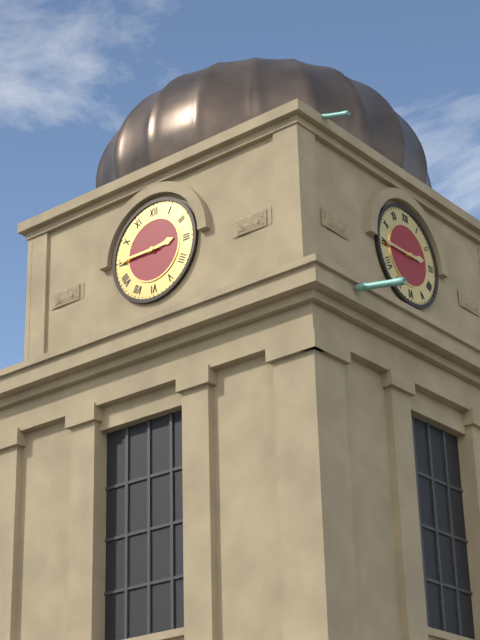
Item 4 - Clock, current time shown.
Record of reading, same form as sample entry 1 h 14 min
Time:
2 h 45 min
